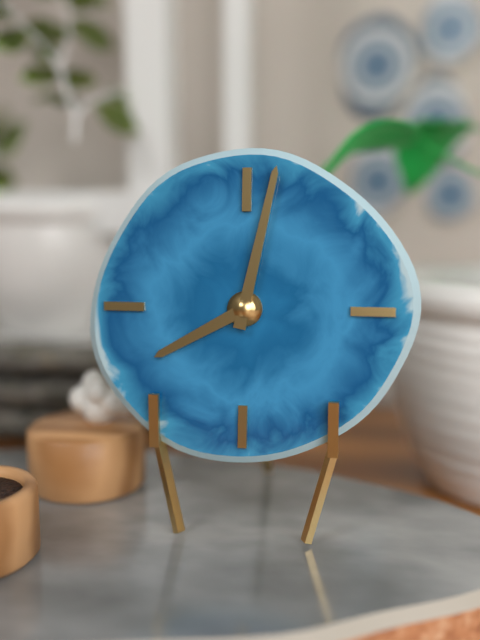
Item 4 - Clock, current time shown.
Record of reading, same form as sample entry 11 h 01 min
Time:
8 h 02 min
